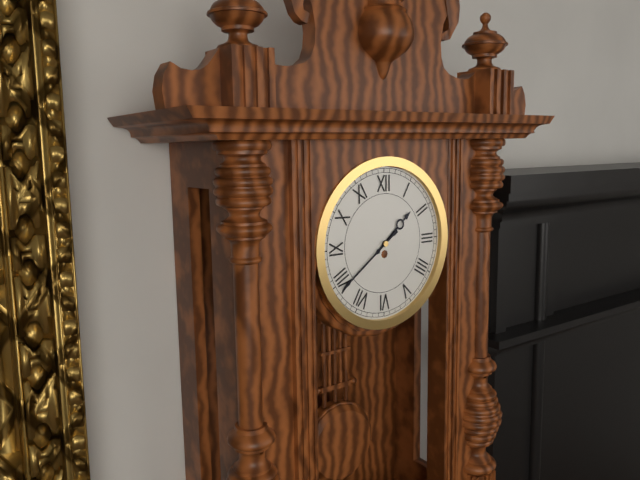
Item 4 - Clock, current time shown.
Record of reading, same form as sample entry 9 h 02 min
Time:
1 h 39 min
